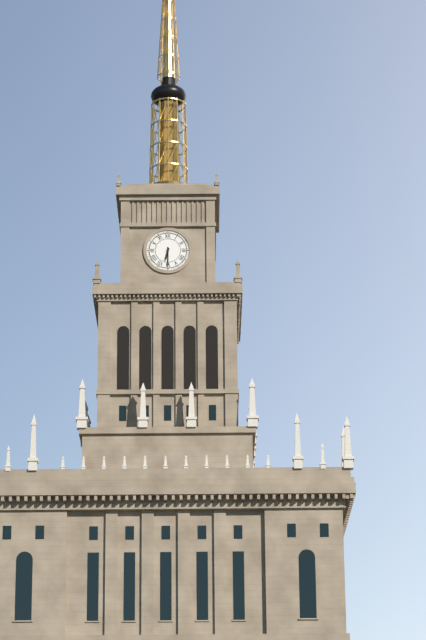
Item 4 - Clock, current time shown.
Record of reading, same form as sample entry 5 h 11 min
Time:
6 h 30 min
